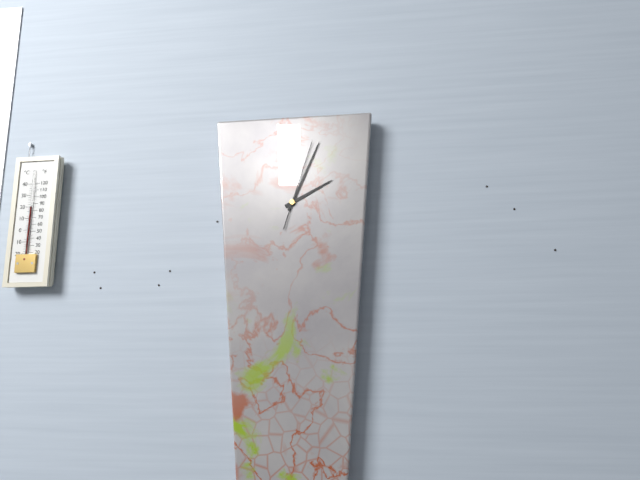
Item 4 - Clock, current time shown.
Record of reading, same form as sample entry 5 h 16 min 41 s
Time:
2 h 04 min 03 s
